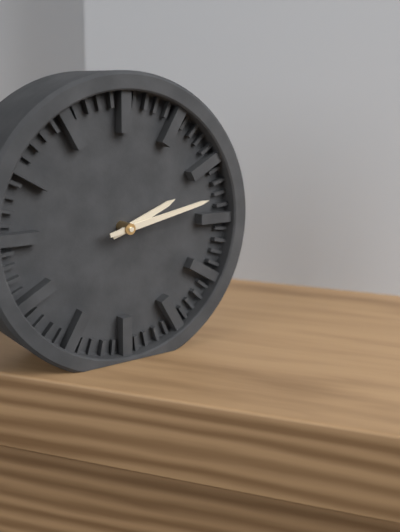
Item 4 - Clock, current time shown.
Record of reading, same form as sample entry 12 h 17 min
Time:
2 h 13 min
